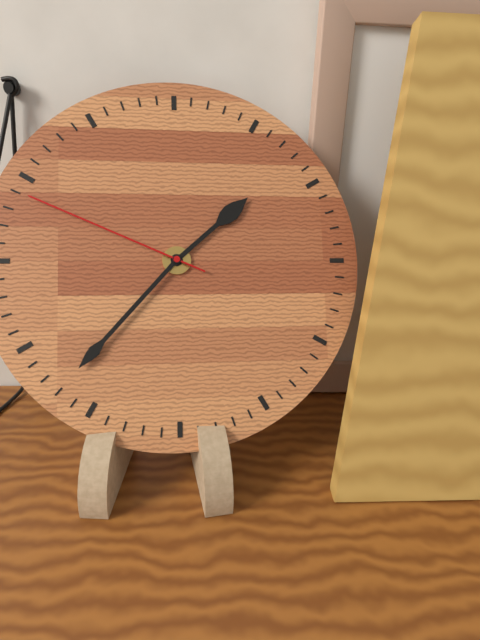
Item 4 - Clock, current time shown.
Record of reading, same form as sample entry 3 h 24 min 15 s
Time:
1 h 37 min 49 s
